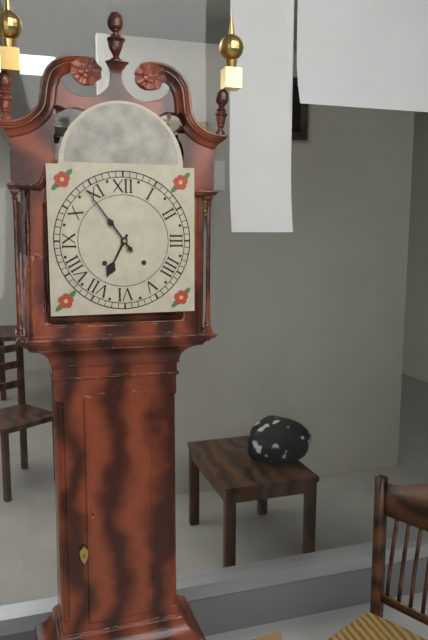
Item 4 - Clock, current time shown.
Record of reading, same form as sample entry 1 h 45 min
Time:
6 h 54 min
